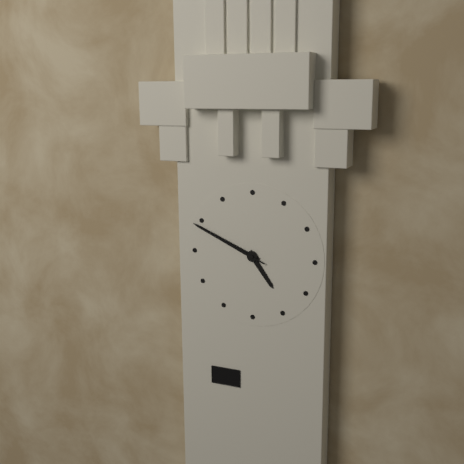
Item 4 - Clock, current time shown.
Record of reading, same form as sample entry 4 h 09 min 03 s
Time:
4 h 49 min 49 s
